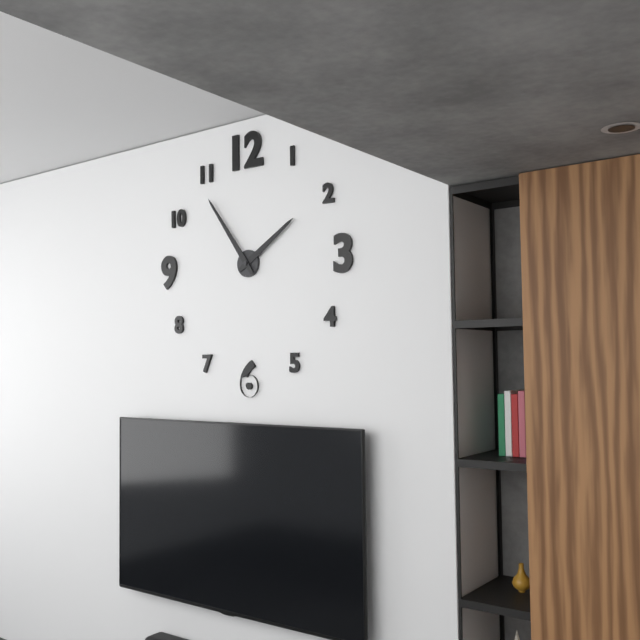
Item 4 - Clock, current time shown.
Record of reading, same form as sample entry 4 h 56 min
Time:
1 h 54 min
